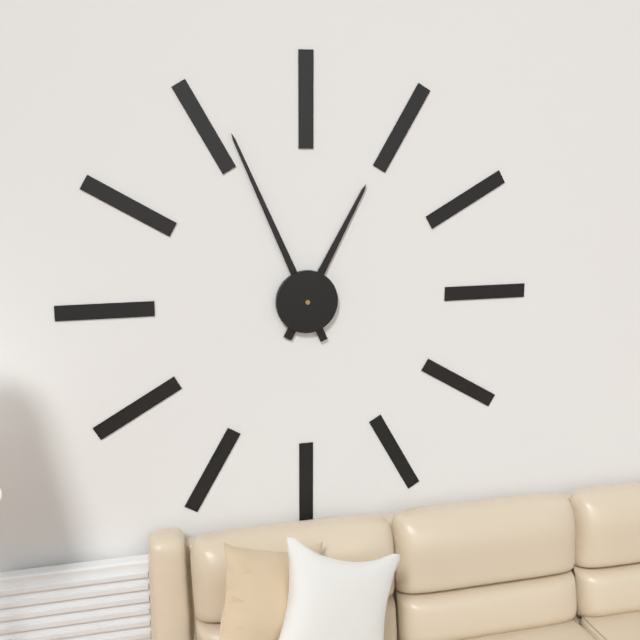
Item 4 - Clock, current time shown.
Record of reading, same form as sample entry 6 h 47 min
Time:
12 h 56 min
